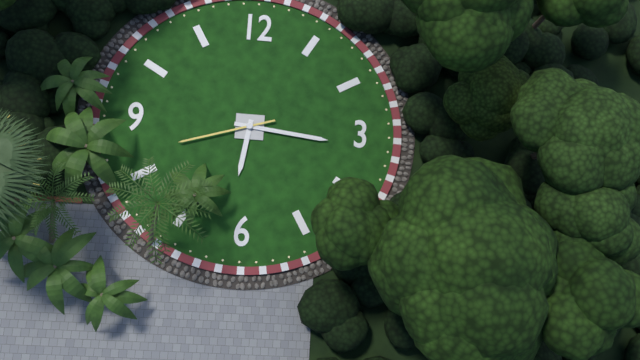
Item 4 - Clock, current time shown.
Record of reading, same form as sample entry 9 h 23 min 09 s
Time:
6 h 16 min 42 s
